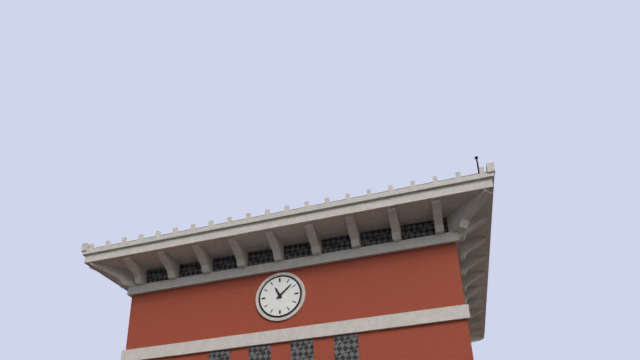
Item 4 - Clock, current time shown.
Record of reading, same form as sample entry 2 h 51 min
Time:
11 h 08 min
